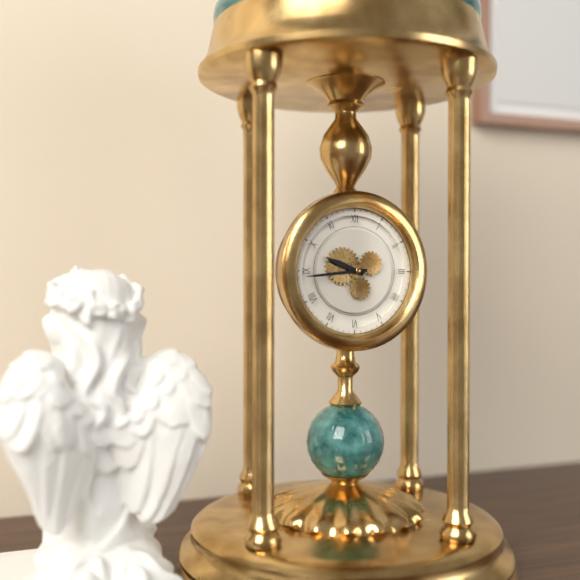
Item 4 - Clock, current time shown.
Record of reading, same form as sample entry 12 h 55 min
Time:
9 h 44 min
